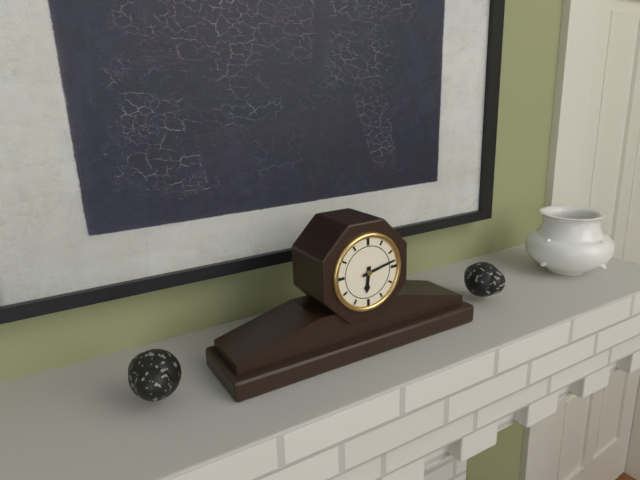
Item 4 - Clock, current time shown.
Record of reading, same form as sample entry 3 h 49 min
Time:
6 h 13 min
